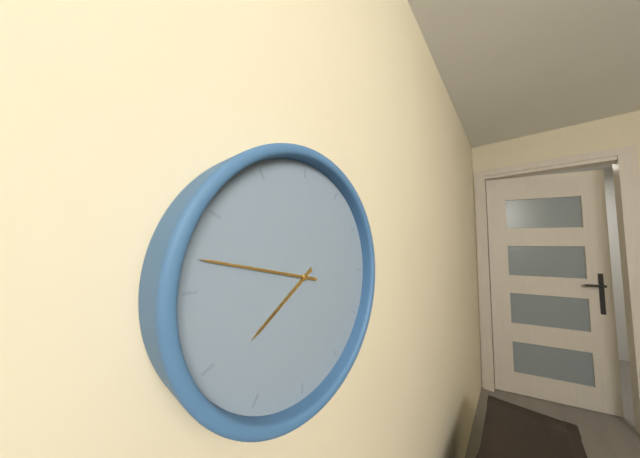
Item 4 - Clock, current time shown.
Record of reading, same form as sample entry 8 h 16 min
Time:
7 h 47 min
